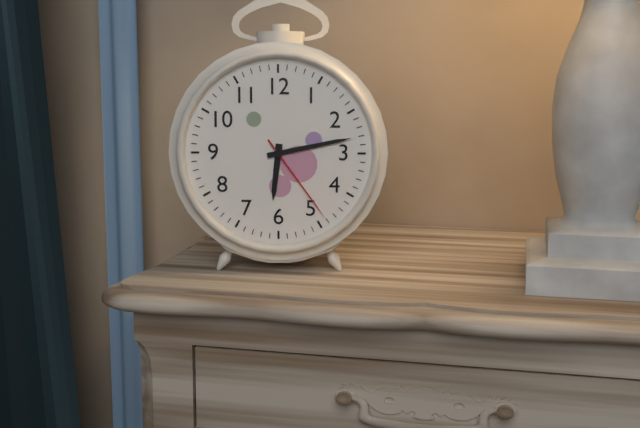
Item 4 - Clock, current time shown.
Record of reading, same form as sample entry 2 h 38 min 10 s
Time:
6 h 13 min 24 s
